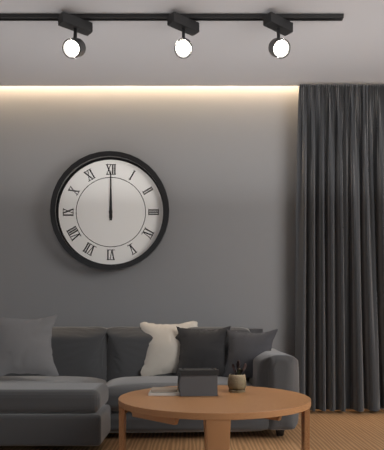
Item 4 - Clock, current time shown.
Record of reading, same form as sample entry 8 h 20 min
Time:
12 h 00 min
